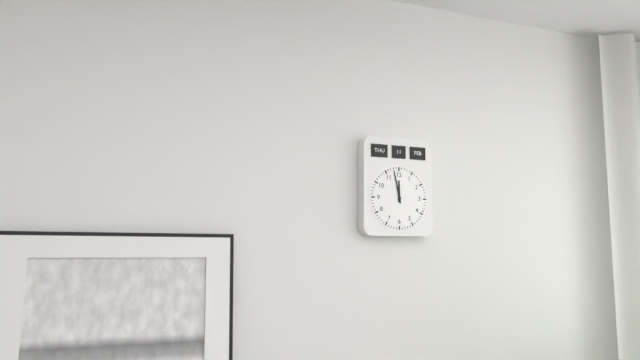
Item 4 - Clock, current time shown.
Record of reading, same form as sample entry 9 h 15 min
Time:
11 h 58 min
